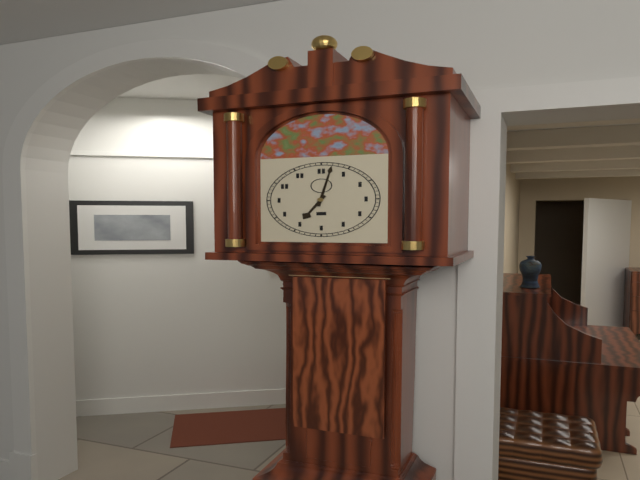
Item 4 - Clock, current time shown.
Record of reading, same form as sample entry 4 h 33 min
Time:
7 h 02 min
